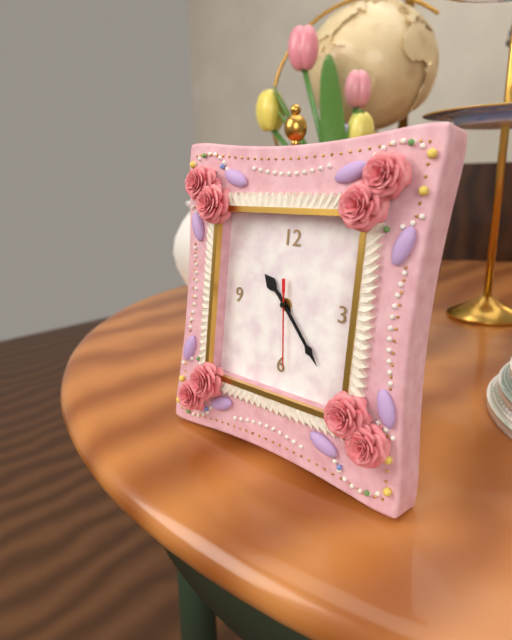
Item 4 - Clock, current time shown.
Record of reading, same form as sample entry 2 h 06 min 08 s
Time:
10 h 23 min 29 s
